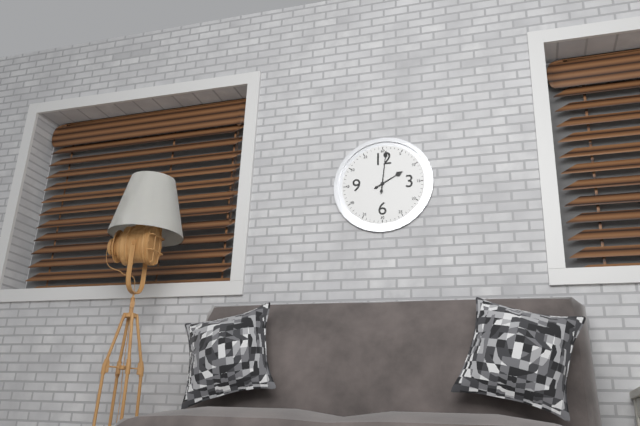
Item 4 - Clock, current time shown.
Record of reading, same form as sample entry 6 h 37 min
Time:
2 h 01 min
